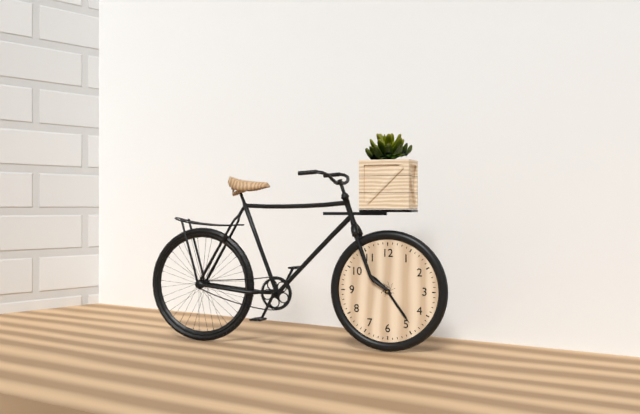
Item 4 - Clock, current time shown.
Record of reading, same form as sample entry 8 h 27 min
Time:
10 h 24 min
